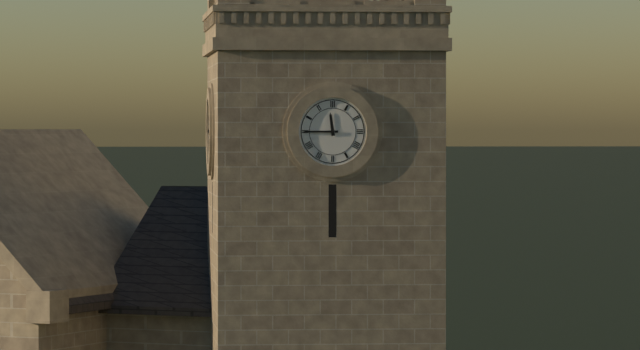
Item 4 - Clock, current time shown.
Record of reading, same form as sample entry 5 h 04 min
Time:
11 h 45 min
